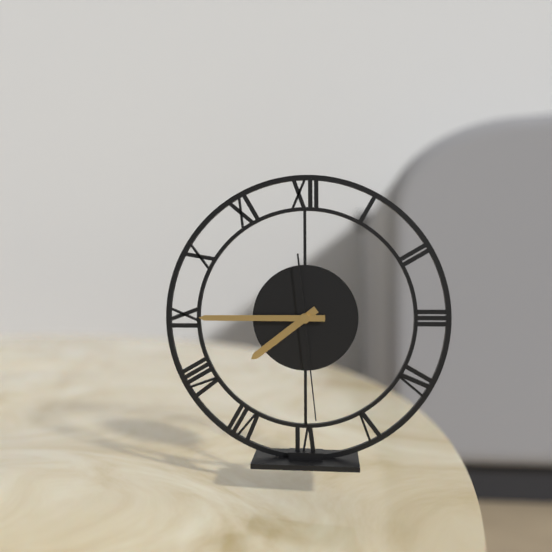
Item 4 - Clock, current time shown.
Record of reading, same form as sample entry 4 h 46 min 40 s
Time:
7 h 45 min 29 s
